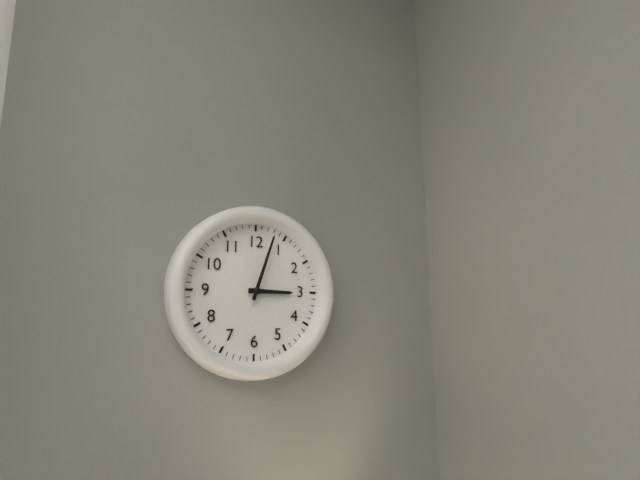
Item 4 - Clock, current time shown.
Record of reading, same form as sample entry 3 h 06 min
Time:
3 h 03 min
